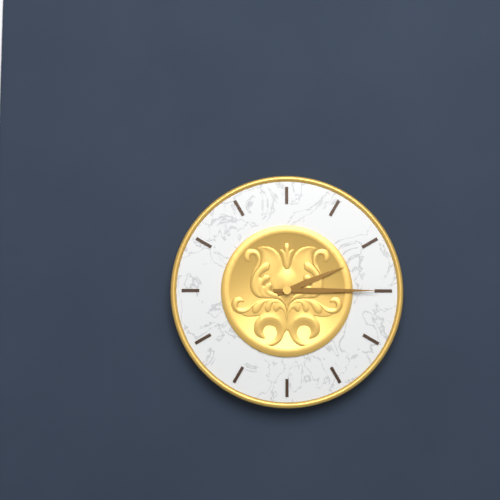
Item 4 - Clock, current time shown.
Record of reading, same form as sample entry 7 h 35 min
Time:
2 h 15 min
